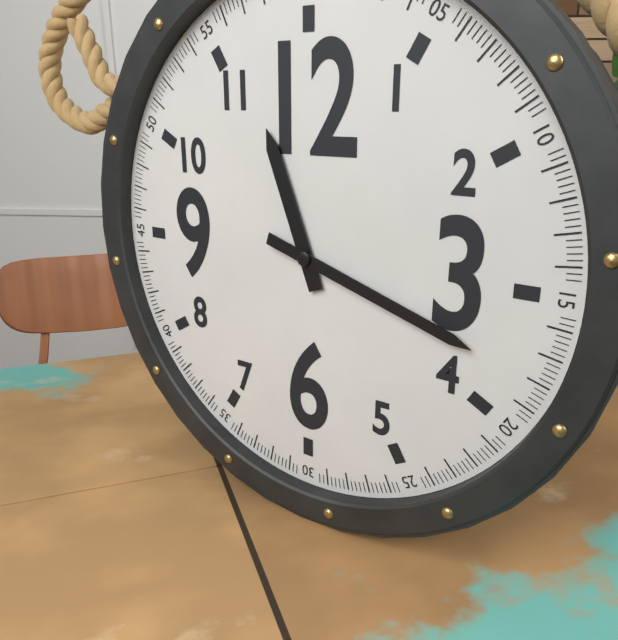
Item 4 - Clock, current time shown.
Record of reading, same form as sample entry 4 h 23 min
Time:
11 h 18 min
